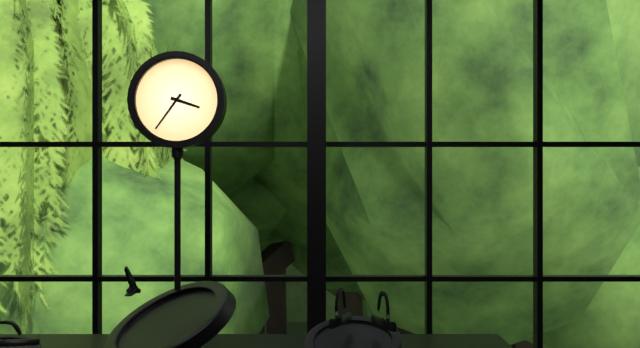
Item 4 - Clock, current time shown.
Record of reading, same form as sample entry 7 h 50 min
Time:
3 h 36 min
